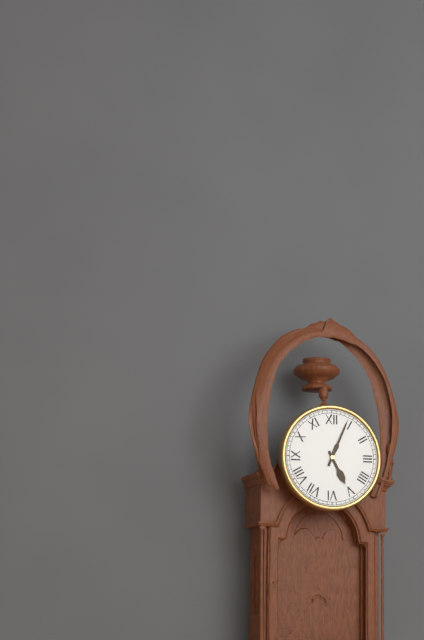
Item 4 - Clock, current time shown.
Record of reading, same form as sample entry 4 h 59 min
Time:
5 h 04 min
